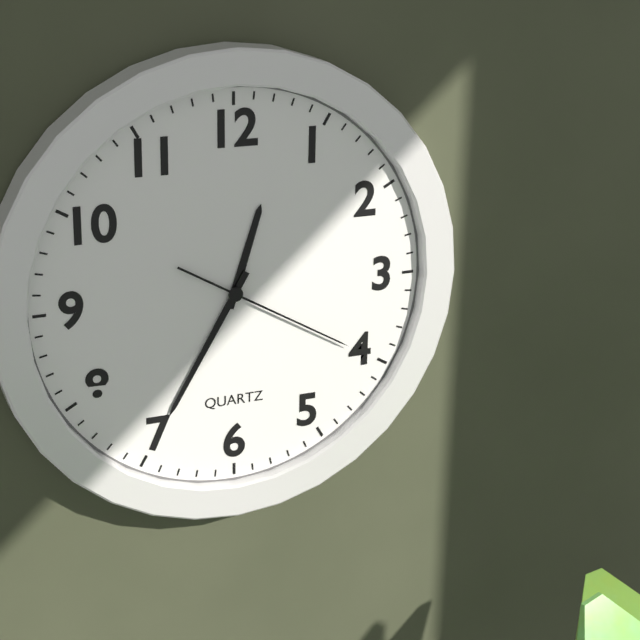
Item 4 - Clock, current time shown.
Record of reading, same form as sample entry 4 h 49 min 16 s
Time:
12 h 35 min 20 s
